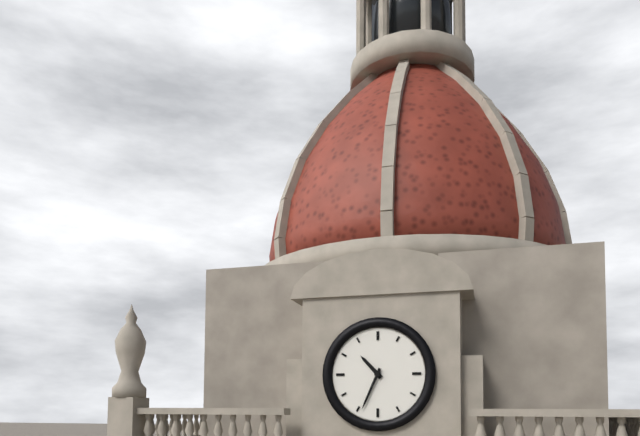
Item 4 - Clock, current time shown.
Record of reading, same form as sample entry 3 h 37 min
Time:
10 h 34 min
